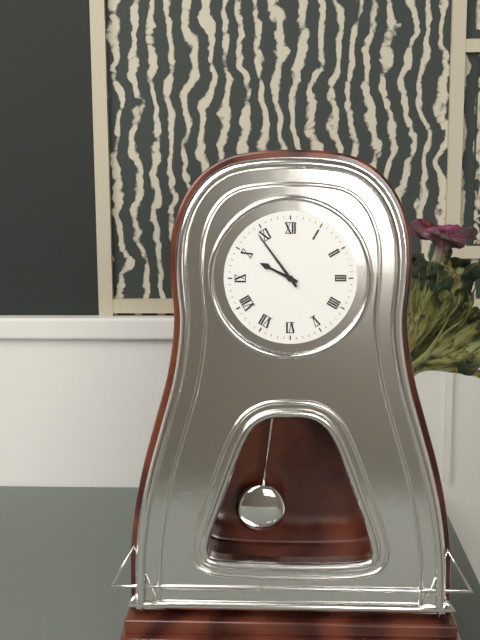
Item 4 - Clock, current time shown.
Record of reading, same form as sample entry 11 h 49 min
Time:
9 h 54 min
